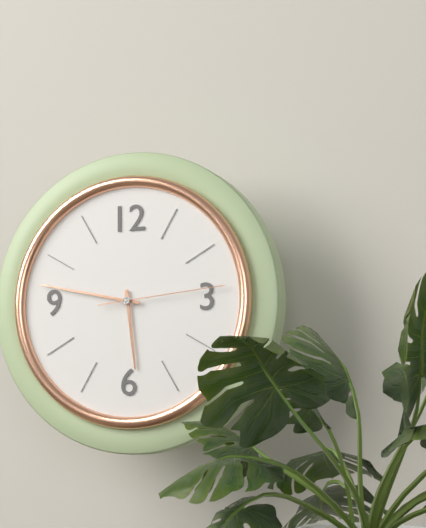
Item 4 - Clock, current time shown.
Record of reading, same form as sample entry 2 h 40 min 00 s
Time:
5 h 47 min 14 s
